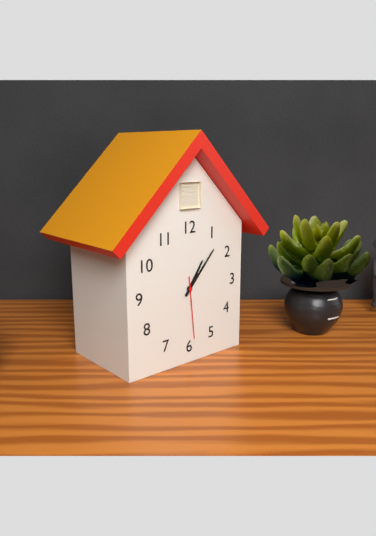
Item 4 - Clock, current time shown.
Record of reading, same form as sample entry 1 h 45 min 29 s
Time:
1 h 07 min 29 s
